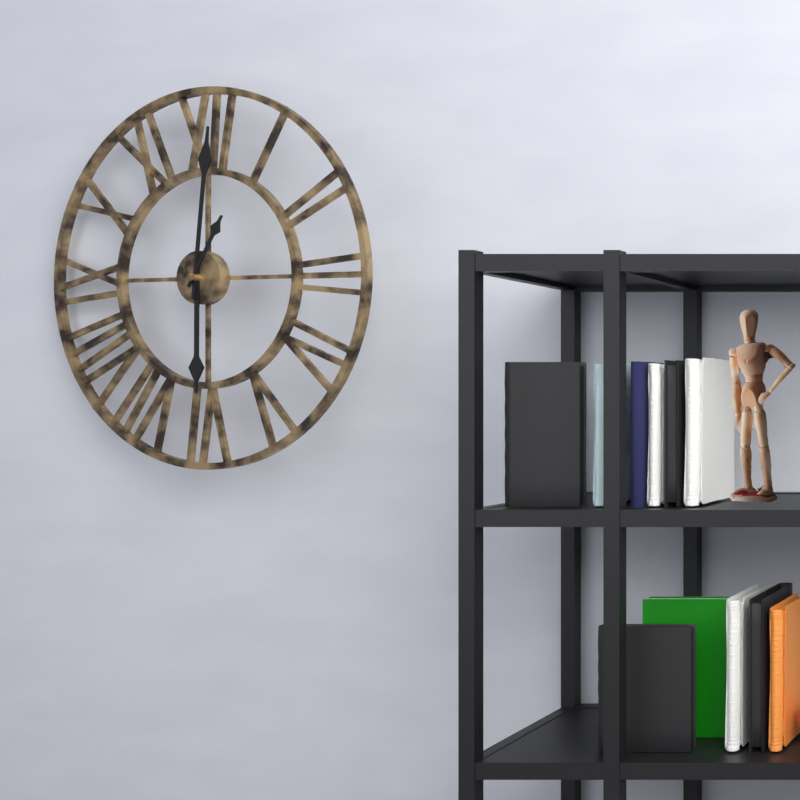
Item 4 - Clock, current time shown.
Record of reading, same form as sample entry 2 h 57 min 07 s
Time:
6 h 01 min 05 s
